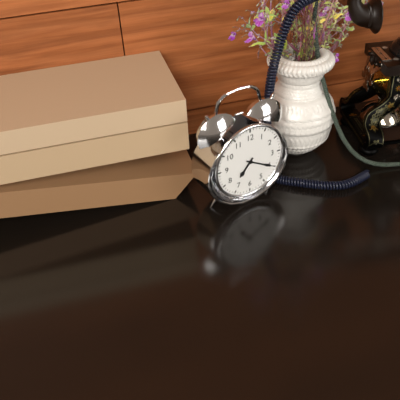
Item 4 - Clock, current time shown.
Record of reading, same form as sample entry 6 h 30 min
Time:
7 h 20 min
